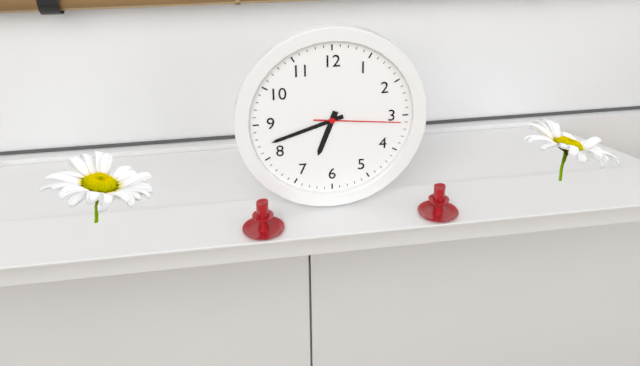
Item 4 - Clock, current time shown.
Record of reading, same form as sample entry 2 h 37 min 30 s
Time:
6 h 42 min 16 s
